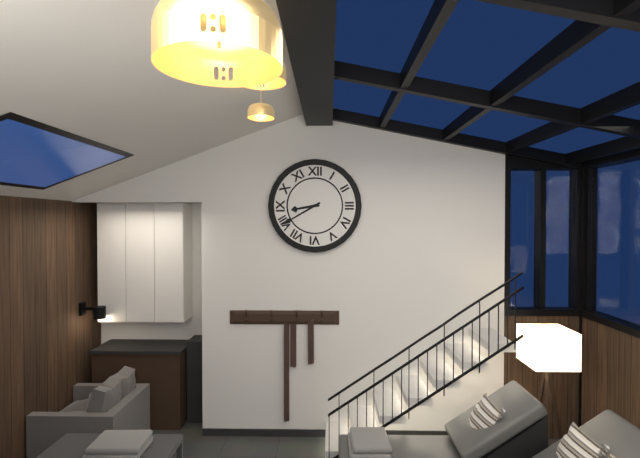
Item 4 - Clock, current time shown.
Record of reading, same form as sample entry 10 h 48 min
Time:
8 h 40 min
